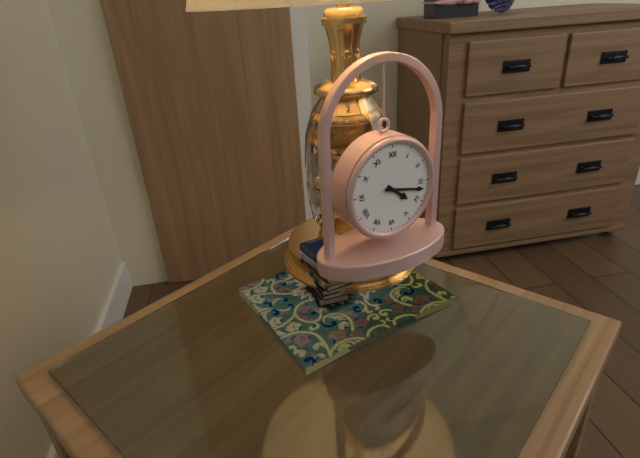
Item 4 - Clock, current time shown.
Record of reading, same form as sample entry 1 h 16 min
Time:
4 h 17 min
